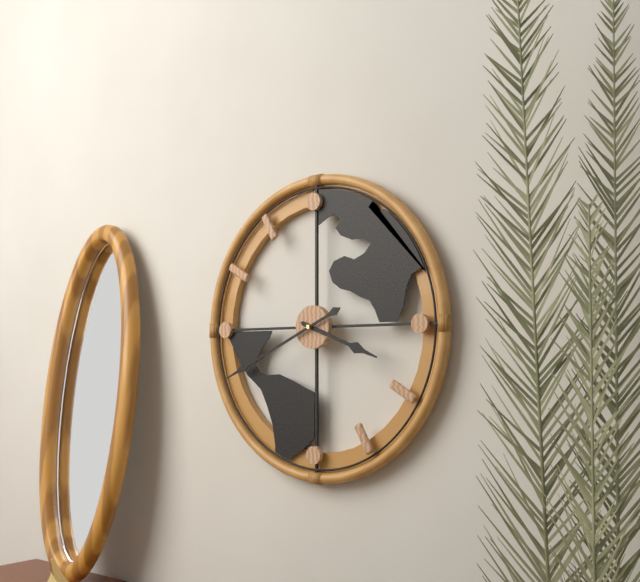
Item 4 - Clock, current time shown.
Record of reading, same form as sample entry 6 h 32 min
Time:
3 h 41 min
